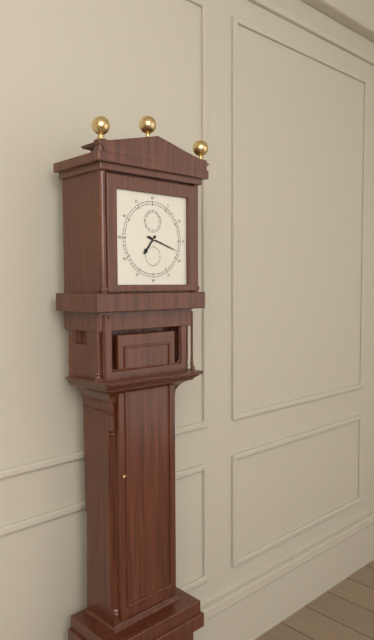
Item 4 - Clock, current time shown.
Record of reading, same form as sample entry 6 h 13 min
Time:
7 h 18 min
